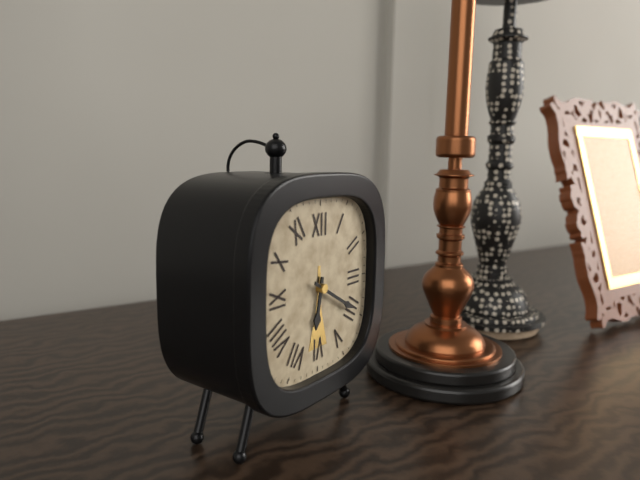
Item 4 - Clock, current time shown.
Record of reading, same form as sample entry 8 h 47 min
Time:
6 h 20 min
